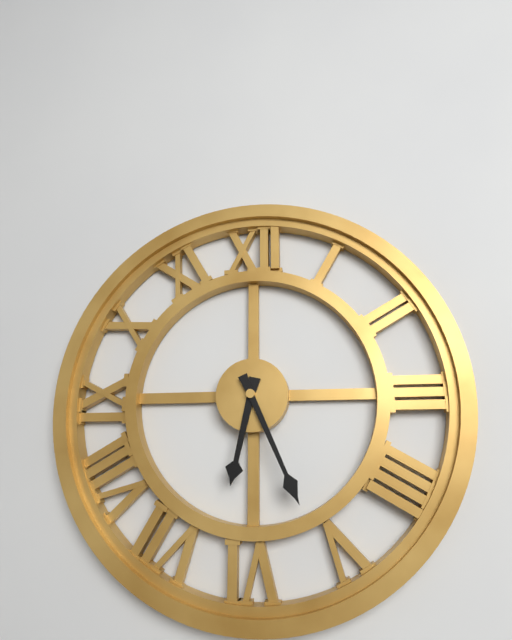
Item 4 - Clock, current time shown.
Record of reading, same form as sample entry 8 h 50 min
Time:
6 h 26 min
